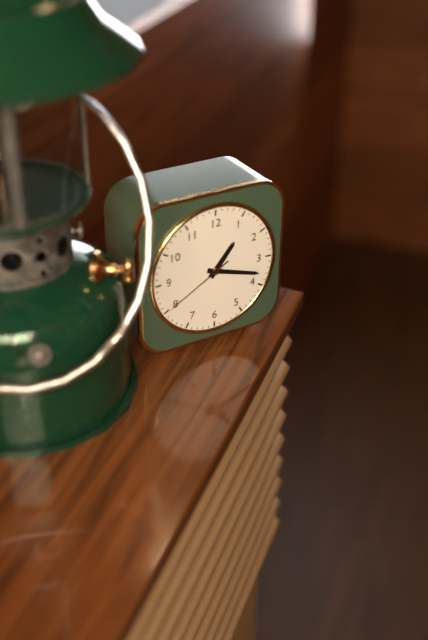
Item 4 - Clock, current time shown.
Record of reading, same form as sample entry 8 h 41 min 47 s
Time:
1 h 18 min 40 s
